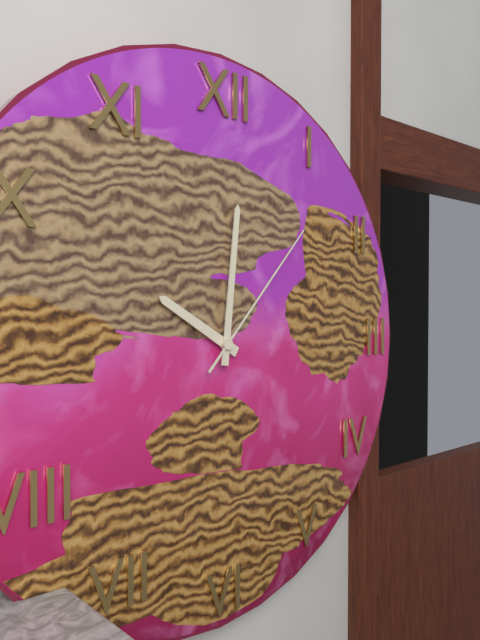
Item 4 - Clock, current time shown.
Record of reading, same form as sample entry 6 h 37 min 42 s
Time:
10 h 01 min 07 s
